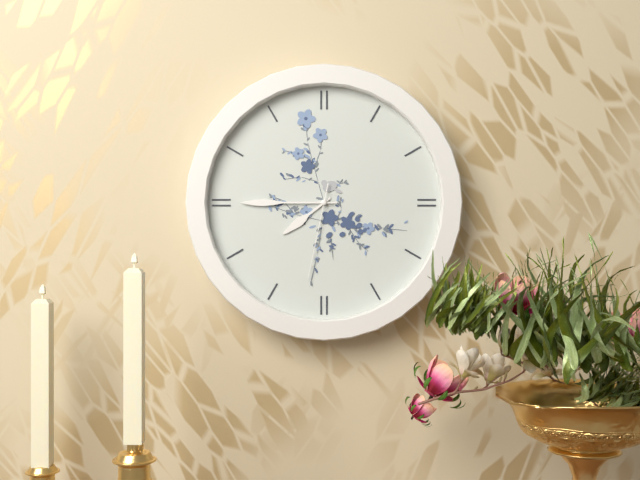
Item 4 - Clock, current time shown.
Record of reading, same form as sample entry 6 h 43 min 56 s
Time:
7 h 45 min 32 s
